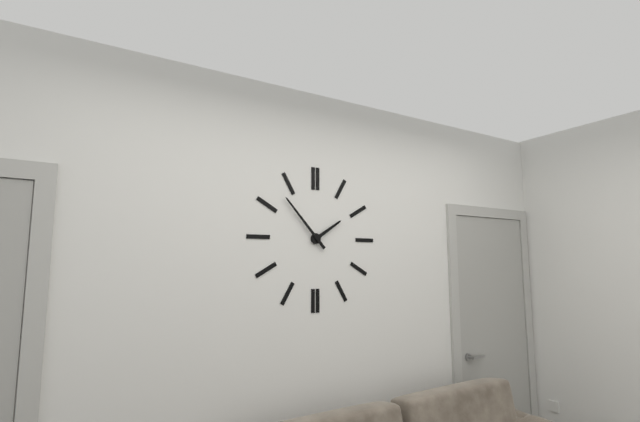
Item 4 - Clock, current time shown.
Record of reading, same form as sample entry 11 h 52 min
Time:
1 h 53 min
